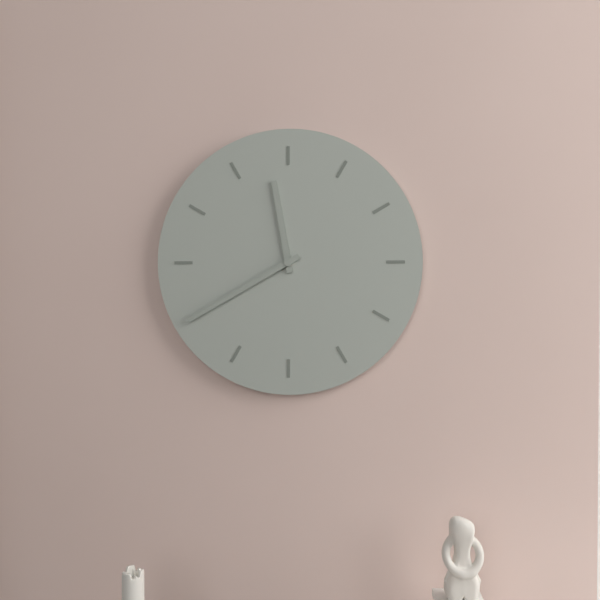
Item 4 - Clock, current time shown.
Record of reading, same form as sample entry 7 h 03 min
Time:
11 h 40 min
